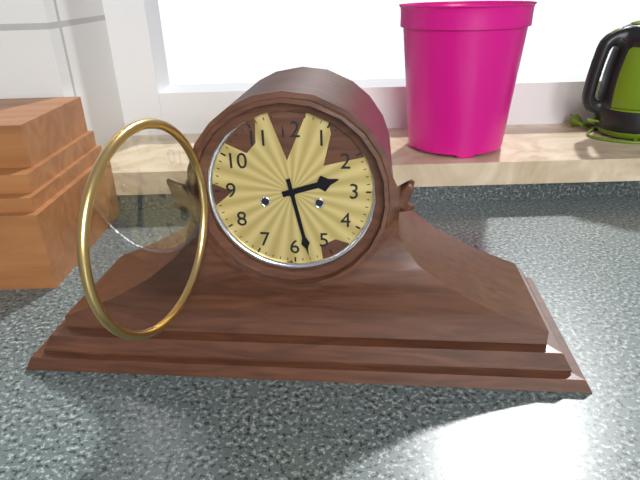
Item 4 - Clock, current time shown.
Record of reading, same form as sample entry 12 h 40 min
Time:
2 h 28 min
